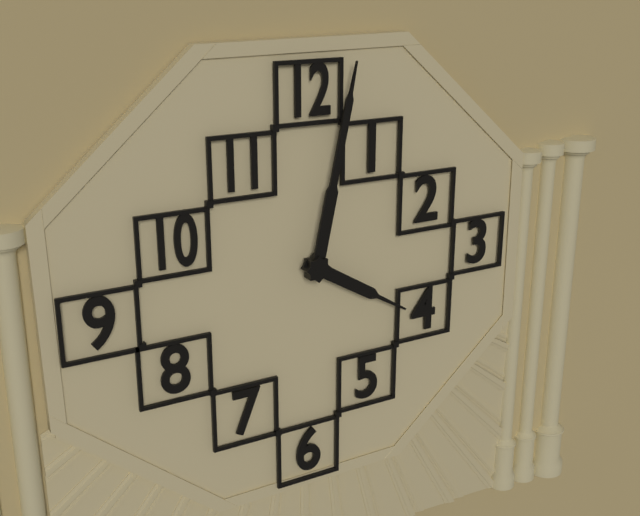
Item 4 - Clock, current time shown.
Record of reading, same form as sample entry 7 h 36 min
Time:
4 h 02 min
